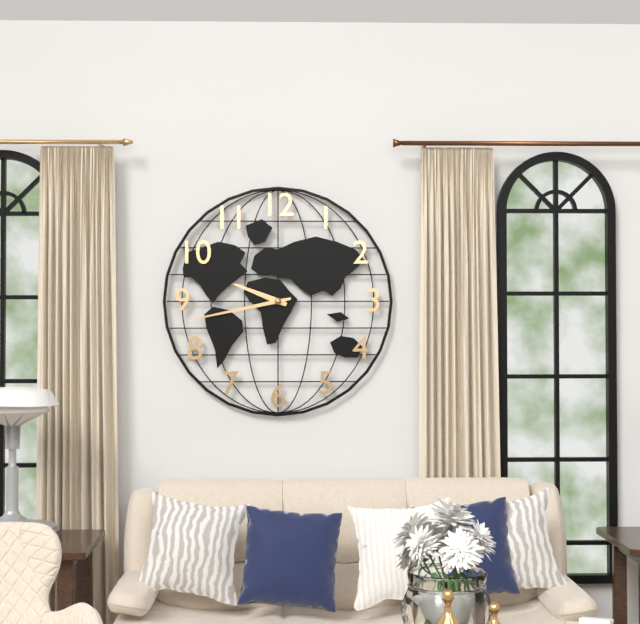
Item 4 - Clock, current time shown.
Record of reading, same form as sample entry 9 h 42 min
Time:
9 h 43 min
